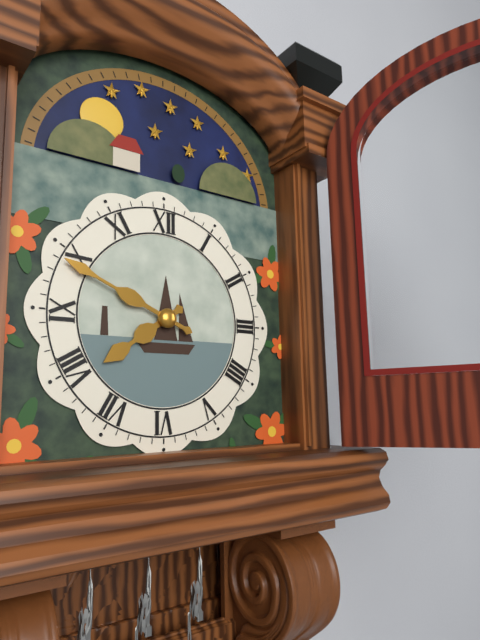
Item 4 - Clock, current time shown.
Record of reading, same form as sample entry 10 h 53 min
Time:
7 h 49 min
